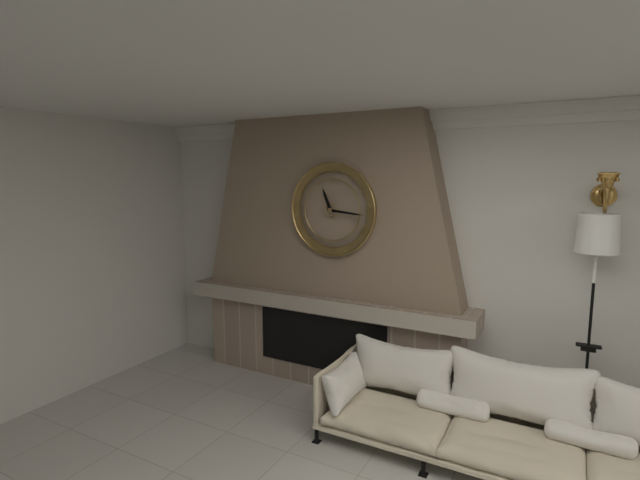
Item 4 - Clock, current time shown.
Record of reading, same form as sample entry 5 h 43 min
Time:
11 h 16 min
